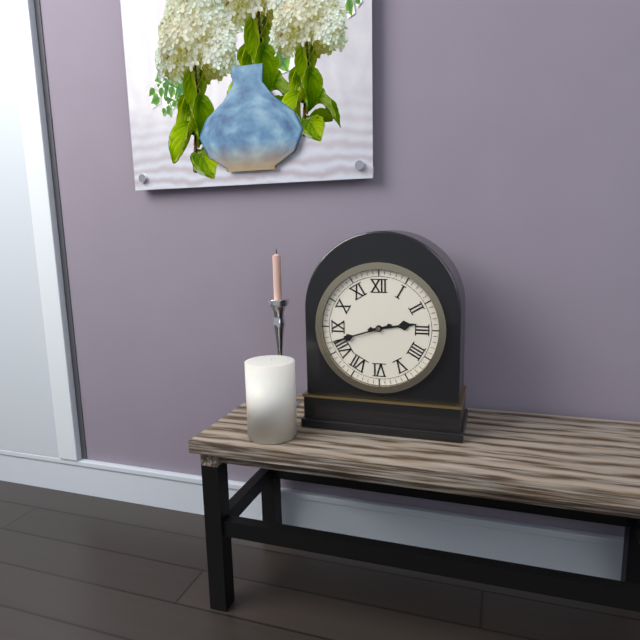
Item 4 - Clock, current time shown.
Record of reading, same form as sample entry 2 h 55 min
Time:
2 h 42 min
